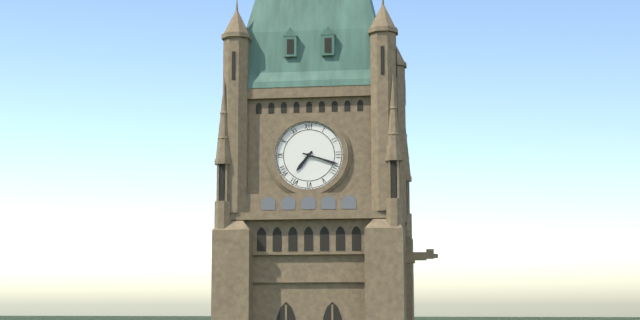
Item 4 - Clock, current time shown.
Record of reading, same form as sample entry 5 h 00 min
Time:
7 h 18 min
